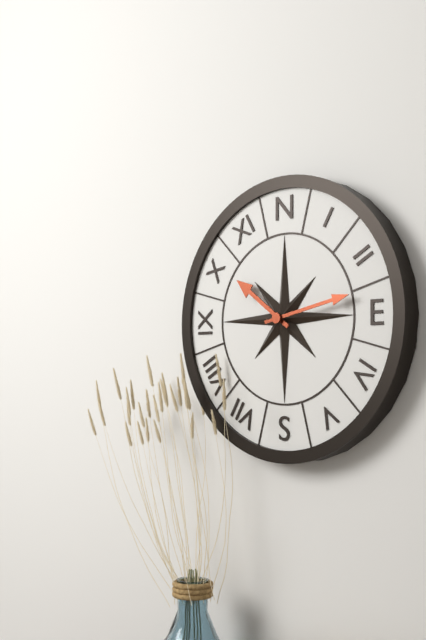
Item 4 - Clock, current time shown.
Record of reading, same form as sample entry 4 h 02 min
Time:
10 h 13 min
